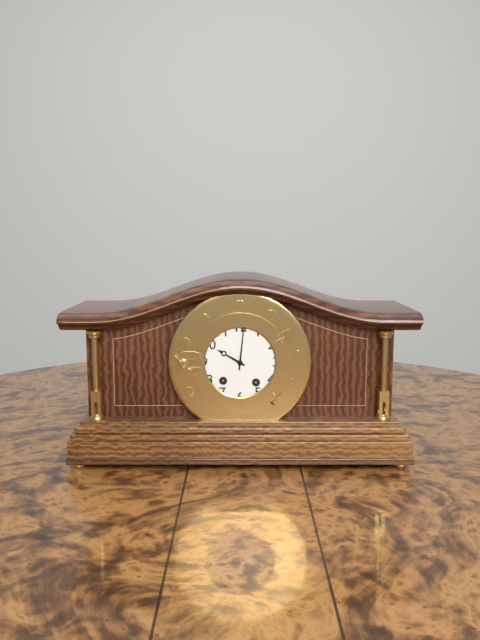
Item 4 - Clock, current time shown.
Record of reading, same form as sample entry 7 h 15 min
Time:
10 h 01 min
